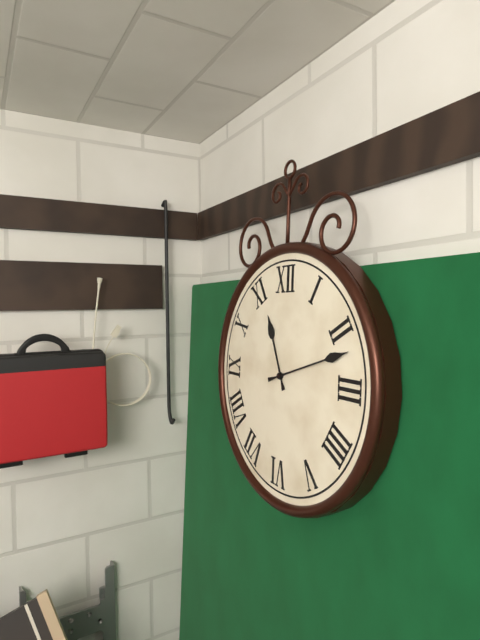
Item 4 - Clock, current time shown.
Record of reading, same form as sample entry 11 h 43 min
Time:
11 h 12 min
